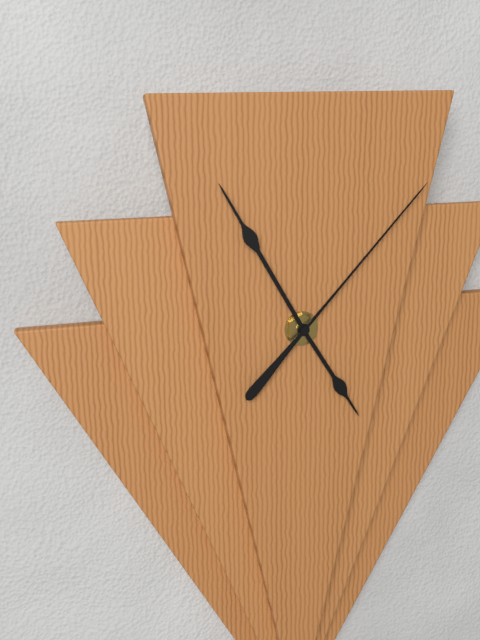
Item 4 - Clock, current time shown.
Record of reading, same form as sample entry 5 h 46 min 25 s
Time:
4 h 55 min 07 s
